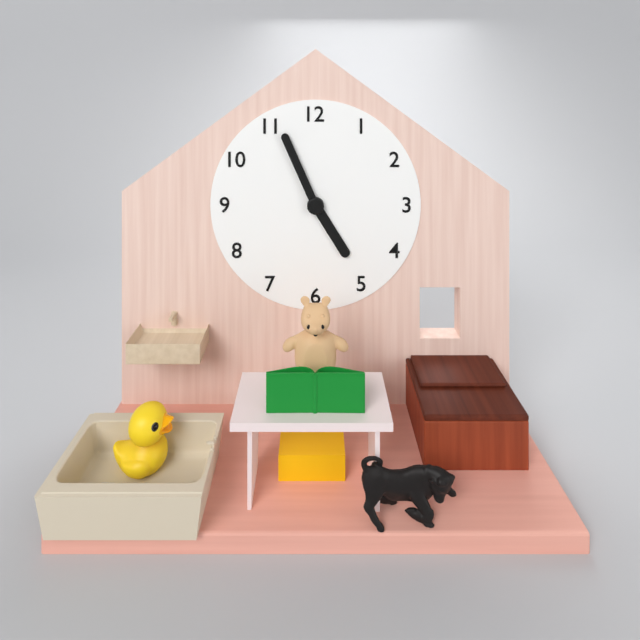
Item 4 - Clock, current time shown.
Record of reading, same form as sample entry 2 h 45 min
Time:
4 h 56 min
